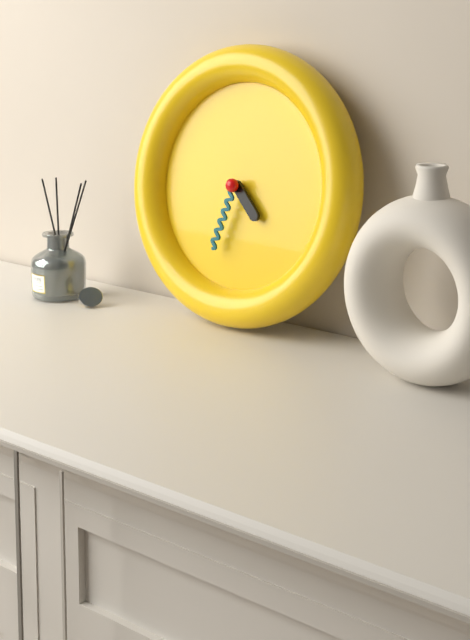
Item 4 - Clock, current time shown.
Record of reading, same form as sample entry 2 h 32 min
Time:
4 h 33 min
